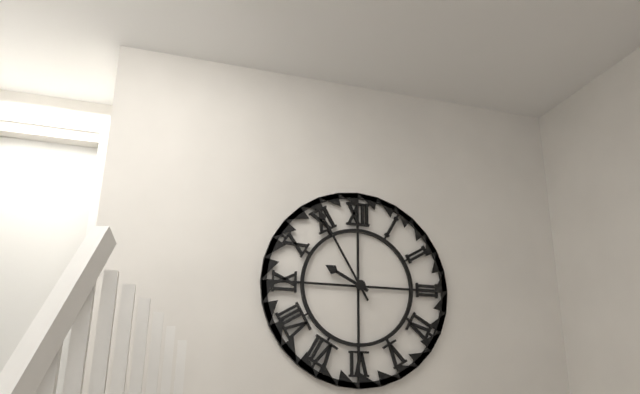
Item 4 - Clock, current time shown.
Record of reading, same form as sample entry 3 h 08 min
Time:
9 h 55 min
